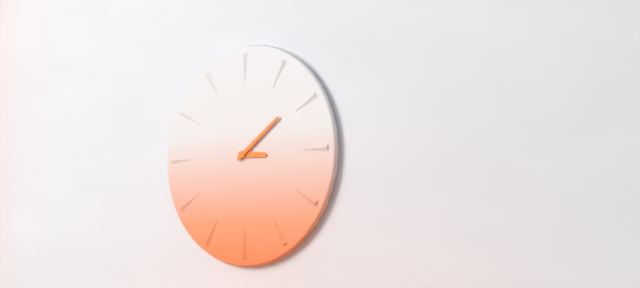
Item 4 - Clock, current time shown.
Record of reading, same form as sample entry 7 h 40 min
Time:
3 h 09 min
